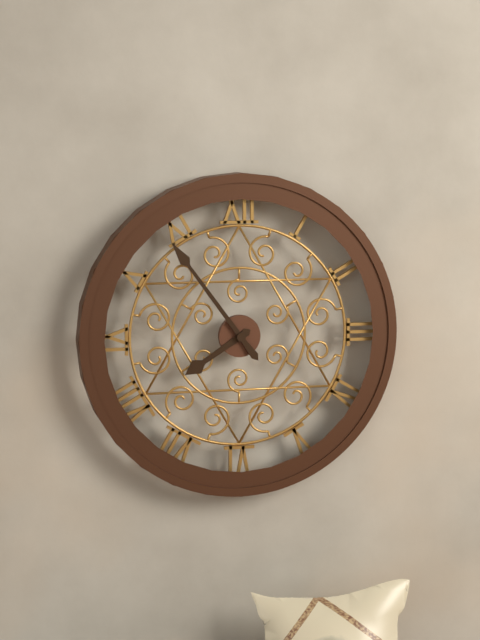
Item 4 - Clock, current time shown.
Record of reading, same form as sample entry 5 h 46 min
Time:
7 h 54 min
